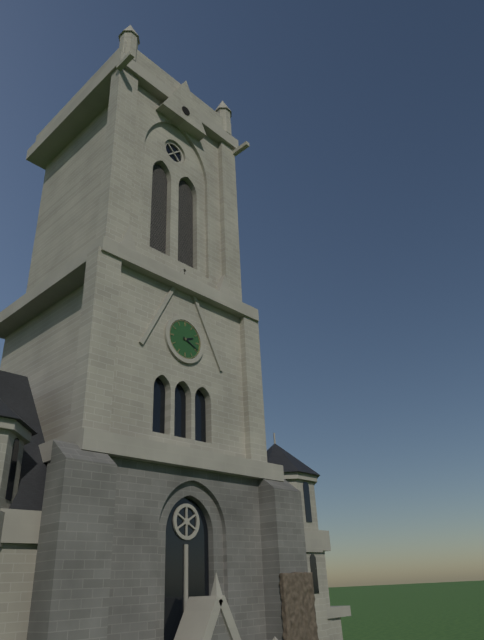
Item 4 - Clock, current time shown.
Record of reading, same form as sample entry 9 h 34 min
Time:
2 h 19 min
